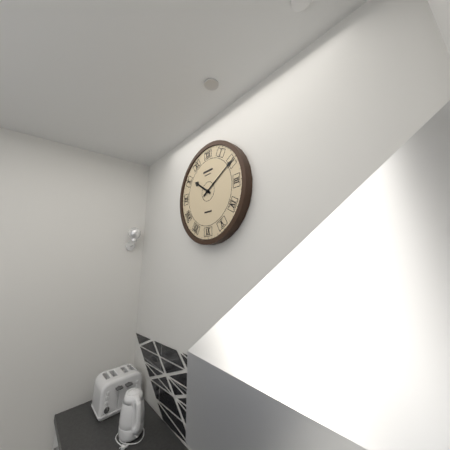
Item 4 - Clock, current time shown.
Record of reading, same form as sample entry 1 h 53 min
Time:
10 h 10 min
